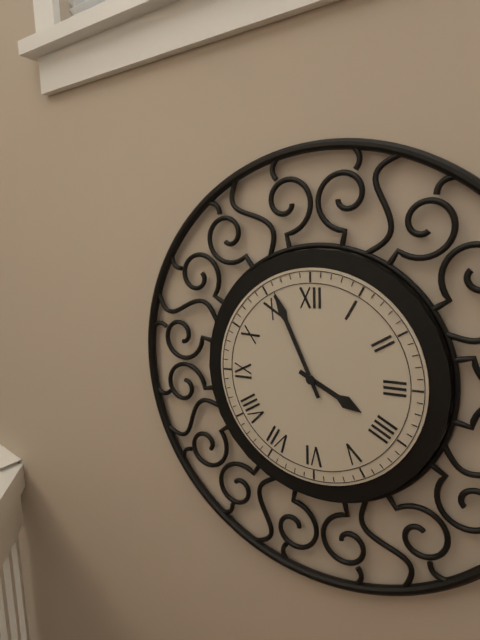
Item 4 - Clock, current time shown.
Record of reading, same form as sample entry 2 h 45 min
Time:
3 h 56 min
